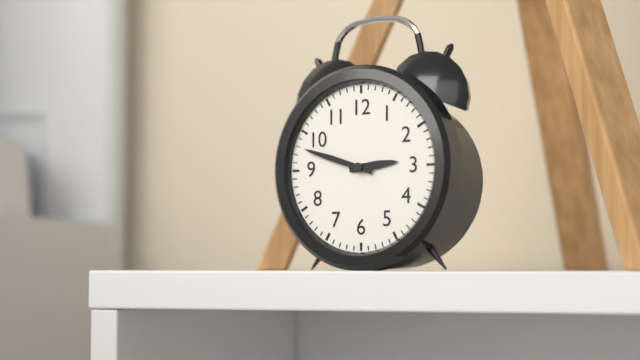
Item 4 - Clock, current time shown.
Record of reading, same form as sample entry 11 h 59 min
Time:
2 h 48 min
